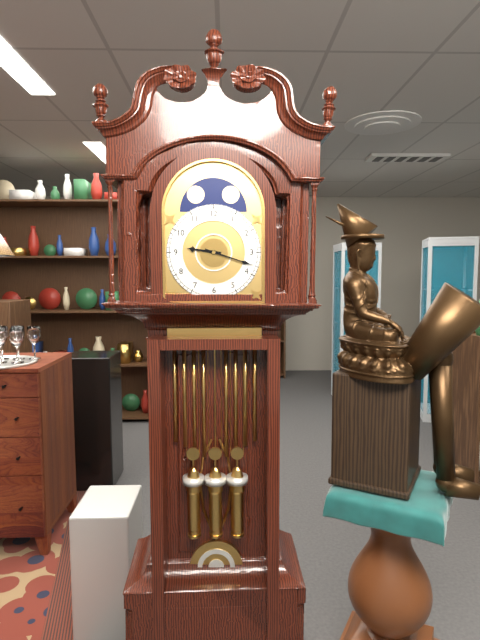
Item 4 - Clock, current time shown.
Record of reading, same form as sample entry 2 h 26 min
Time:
9 h 18 min
